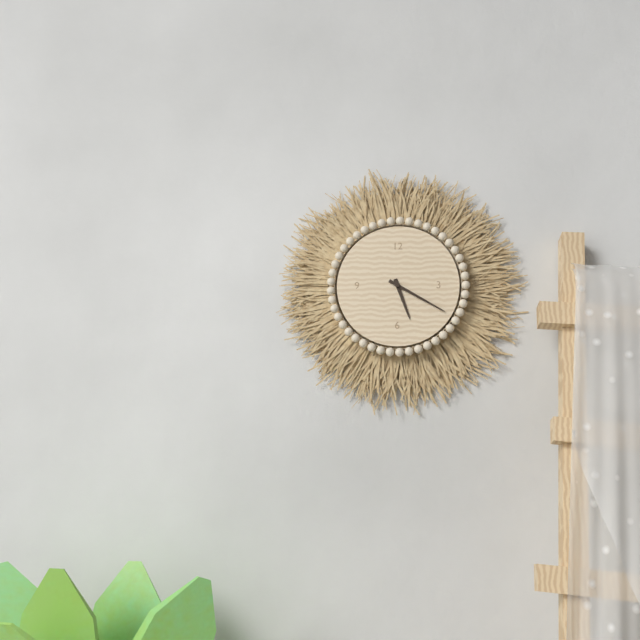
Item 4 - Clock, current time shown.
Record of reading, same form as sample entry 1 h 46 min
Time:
5 h 20 min
